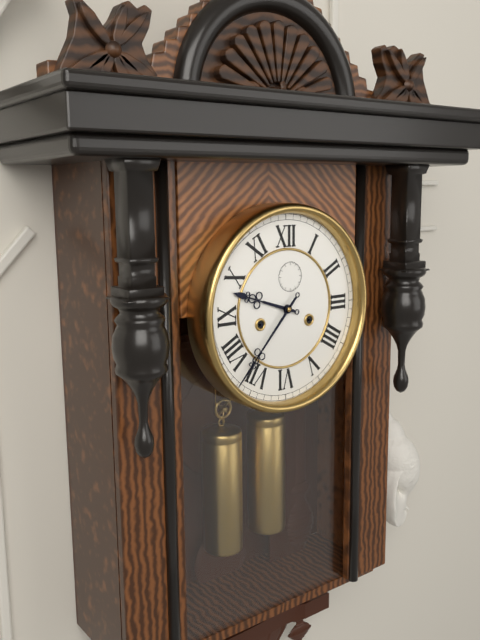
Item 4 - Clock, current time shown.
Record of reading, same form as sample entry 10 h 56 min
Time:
9 h 37 min
